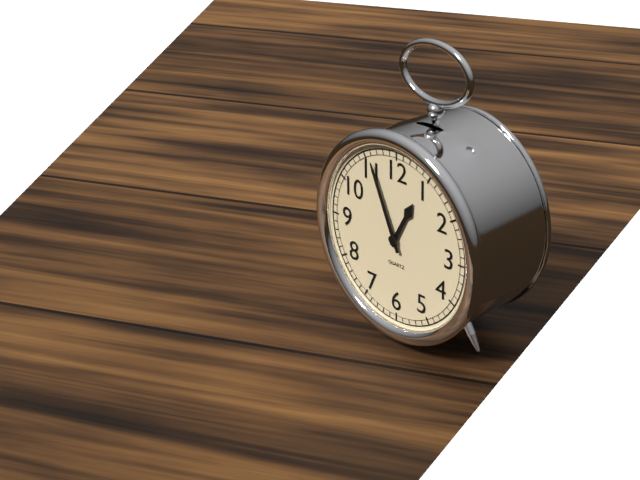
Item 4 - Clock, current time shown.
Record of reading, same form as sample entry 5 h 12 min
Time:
12 h 56 min
